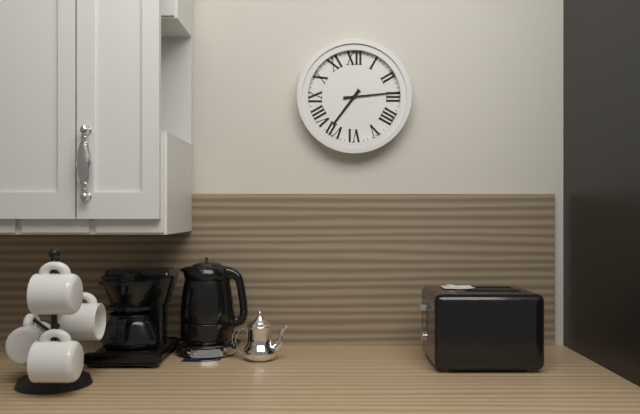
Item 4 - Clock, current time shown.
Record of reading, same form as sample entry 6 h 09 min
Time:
7 h 14 min
